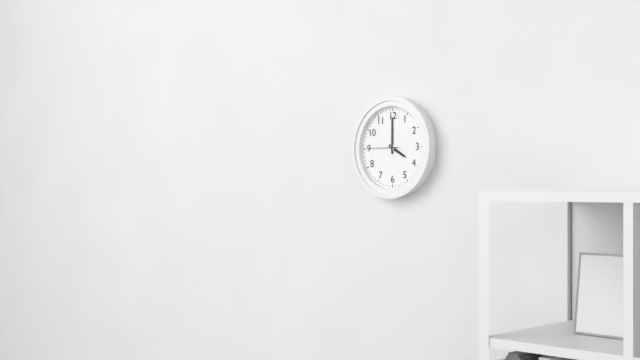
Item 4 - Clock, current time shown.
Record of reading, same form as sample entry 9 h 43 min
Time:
4 h 00 min
